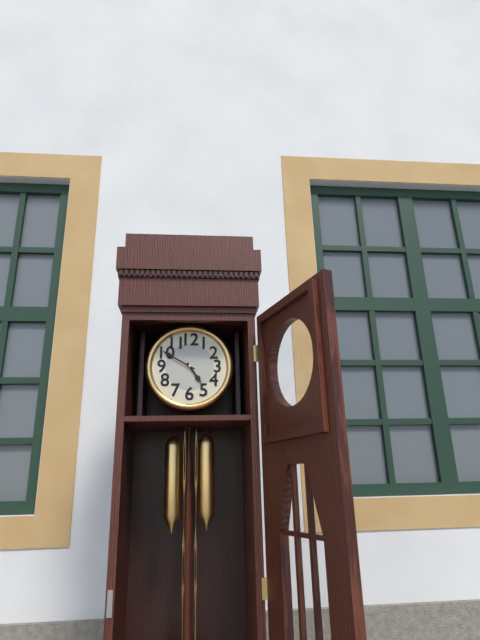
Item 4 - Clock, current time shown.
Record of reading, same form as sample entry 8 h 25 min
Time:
4 h 50 min
